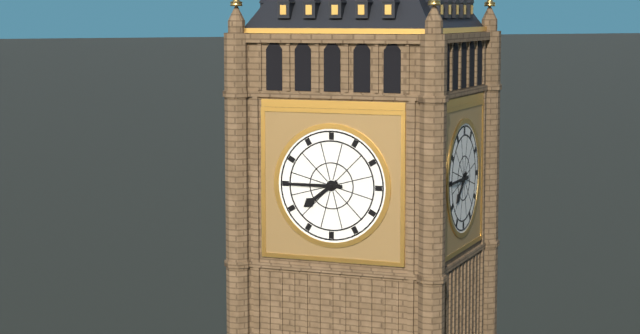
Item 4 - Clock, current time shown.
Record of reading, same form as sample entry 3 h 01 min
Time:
7 h 45 min
